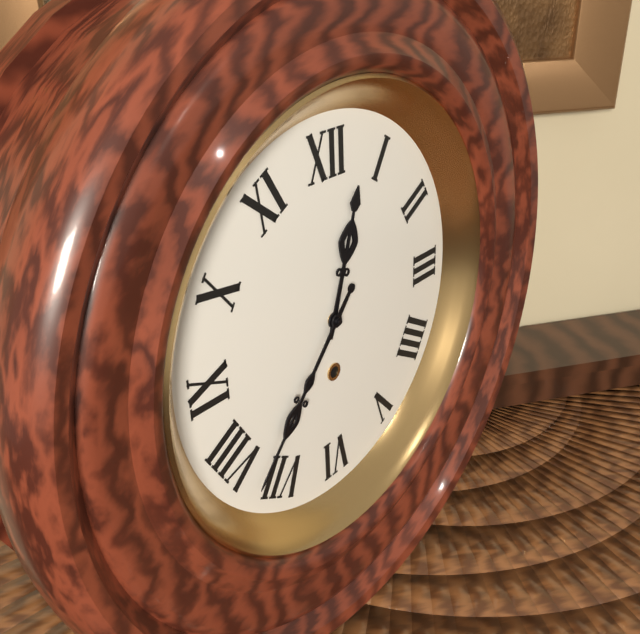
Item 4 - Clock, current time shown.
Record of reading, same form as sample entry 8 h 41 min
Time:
12 h 37 min
